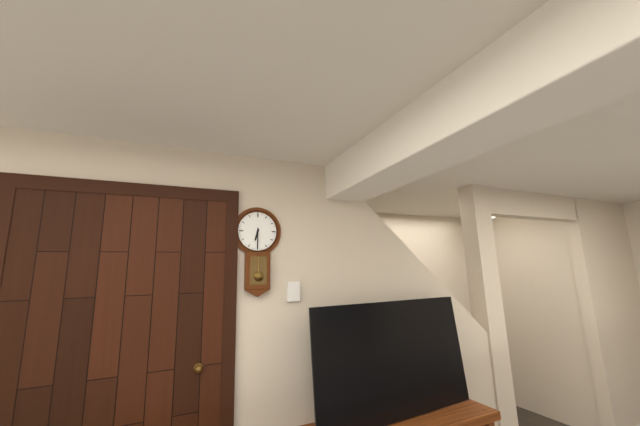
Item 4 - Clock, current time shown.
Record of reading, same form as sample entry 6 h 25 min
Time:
6 h 30 min
